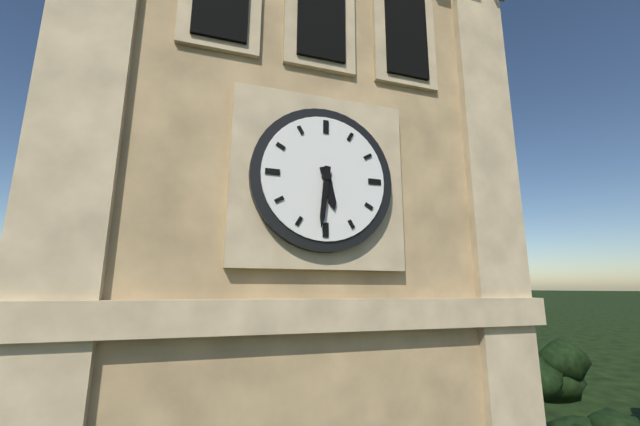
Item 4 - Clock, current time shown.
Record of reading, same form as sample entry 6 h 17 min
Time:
5 h 31 min
